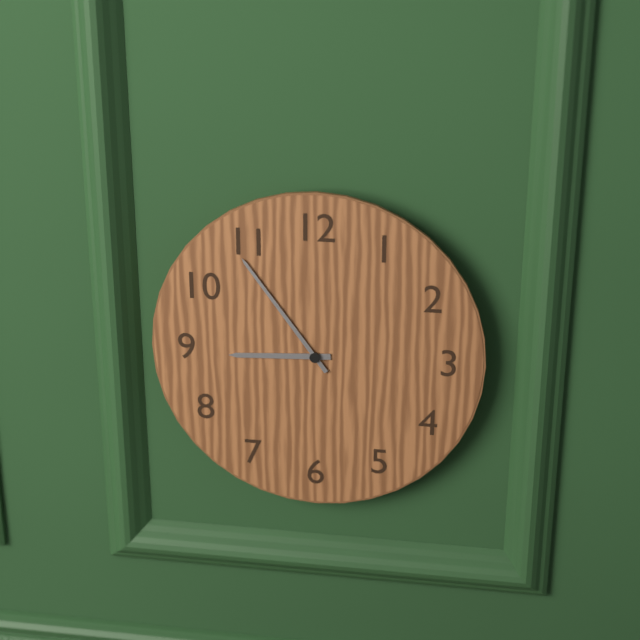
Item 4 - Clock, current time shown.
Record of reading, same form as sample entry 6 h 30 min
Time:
8 h 54 min
